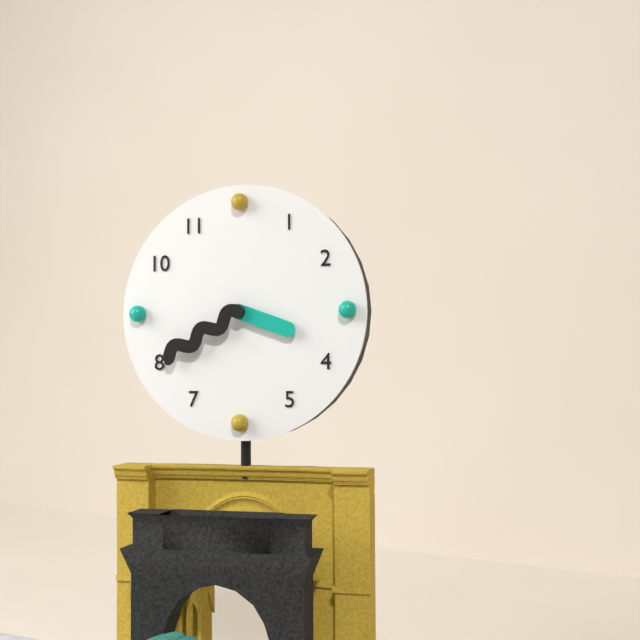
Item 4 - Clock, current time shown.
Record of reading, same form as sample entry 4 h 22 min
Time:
3 h 40 min
